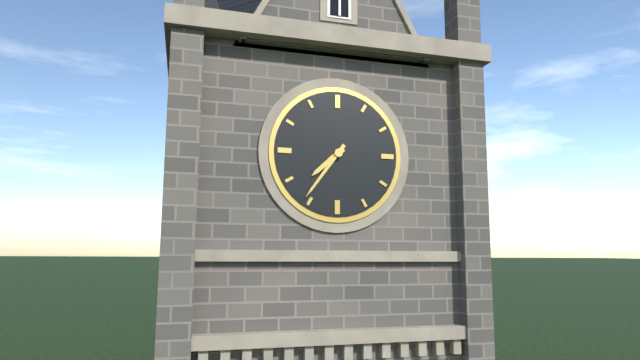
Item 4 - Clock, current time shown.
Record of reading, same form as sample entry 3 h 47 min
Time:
7 h 36 min
